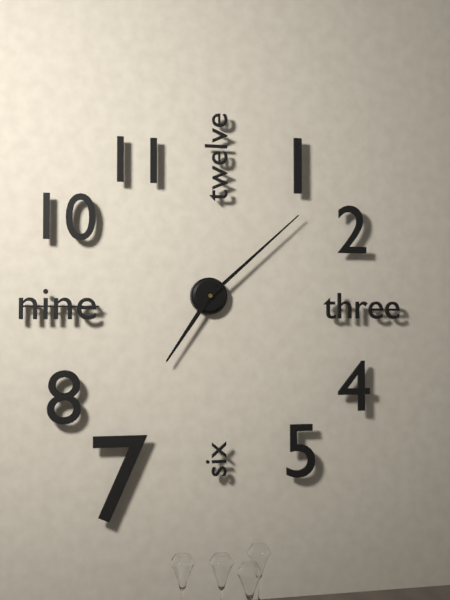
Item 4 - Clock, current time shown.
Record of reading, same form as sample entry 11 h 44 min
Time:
7 h 08 min
